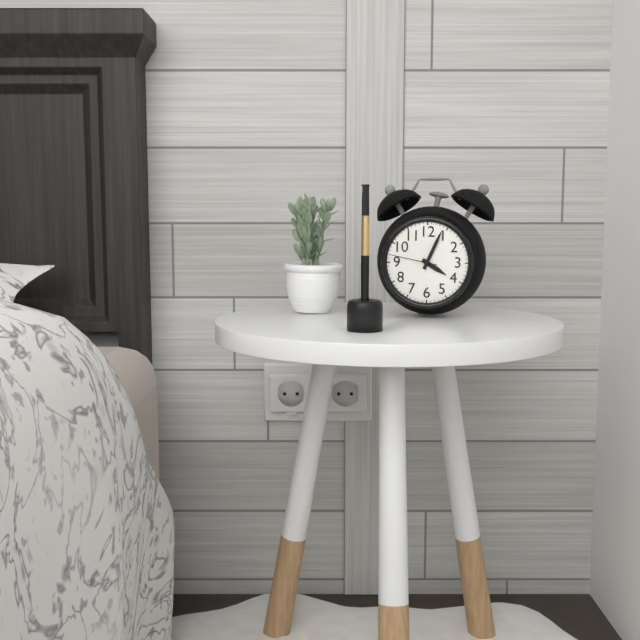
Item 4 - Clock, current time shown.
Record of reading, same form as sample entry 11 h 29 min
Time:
4 h 04 min
